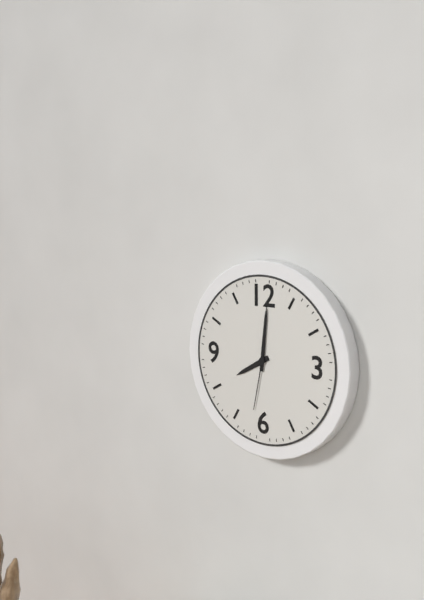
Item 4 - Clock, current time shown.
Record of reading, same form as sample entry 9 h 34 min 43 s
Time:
8 h 01 min 32 s
